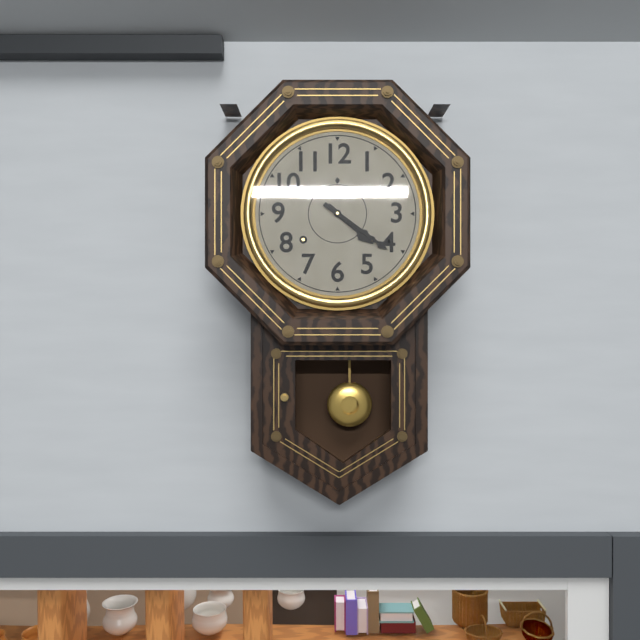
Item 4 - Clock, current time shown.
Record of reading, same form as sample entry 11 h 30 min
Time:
4 h 21 min
